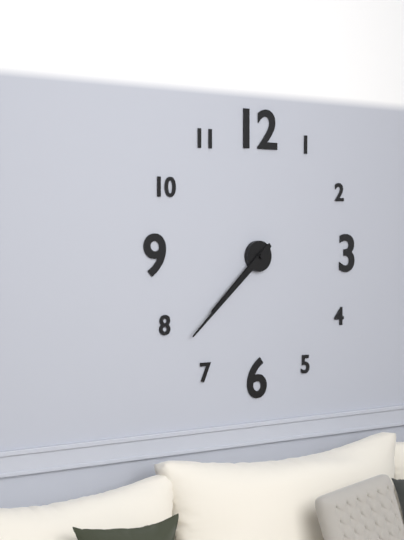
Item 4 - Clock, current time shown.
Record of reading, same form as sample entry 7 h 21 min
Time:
7 h 38 min
